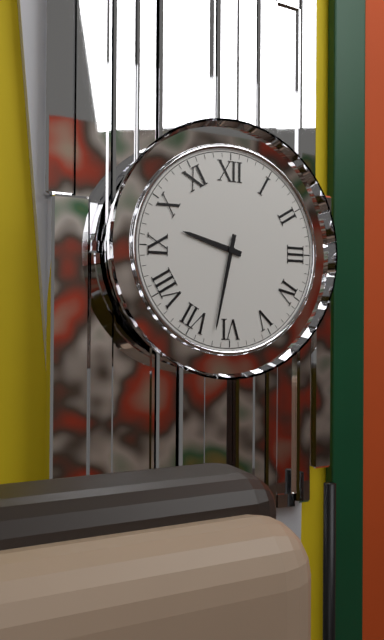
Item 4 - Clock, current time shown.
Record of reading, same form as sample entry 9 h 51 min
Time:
9 h 32 min
